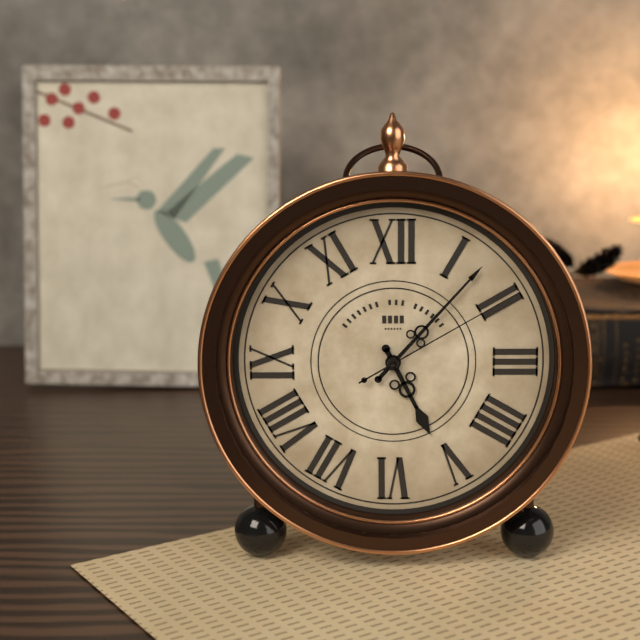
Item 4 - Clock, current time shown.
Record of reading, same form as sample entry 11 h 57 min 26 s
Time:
5 h 07 min 10 s
